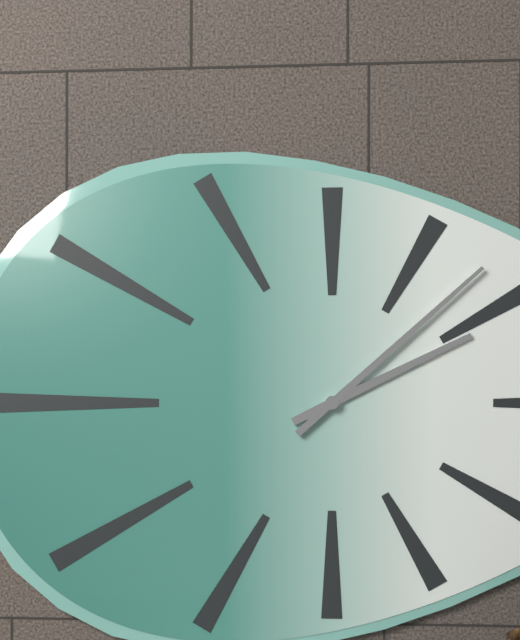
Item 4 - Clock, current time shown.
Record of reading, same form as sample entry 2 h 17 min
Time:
2 h 08 min
